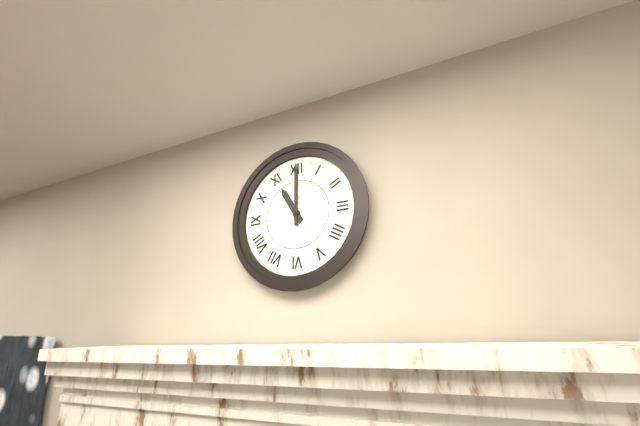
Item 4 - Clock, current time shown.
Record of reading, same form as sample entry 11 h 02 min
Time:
11 h 00 min
